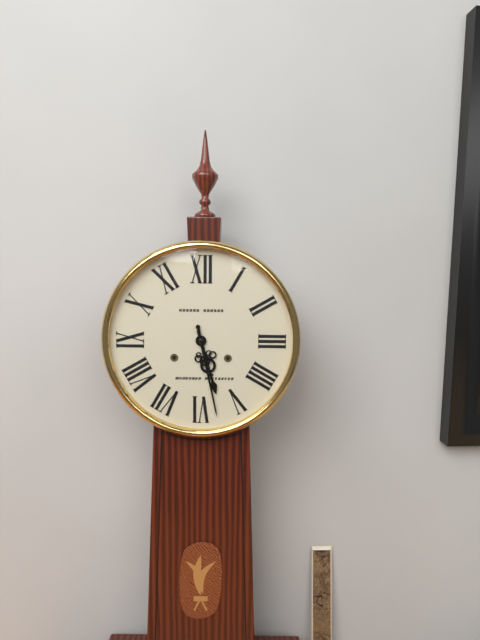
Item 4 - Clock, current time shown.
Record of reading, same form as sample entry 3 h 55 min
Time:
5 h 28 min
